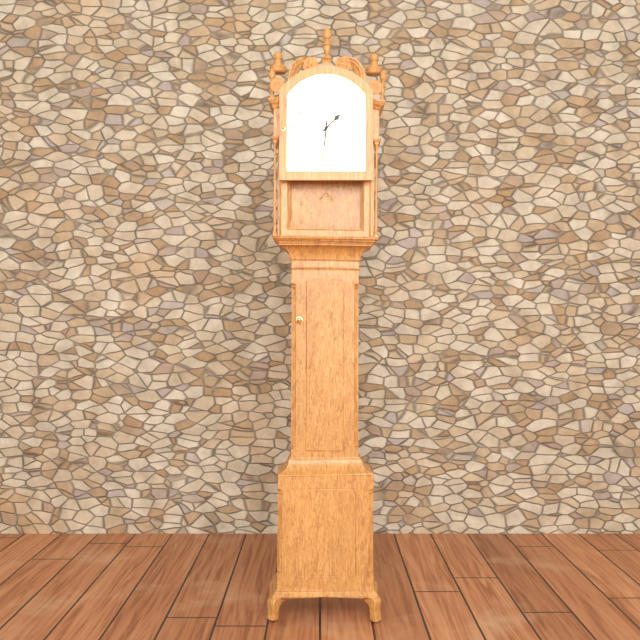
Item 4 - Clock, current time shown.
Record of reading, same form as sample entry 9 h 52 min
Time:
1 h 31 min
